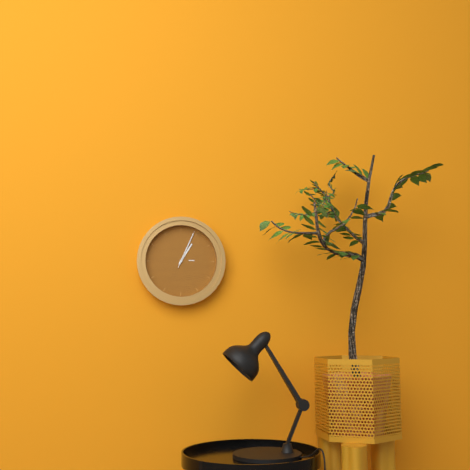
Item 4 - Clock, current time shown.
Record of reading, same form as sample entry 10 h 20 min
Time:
1 h 04 min
